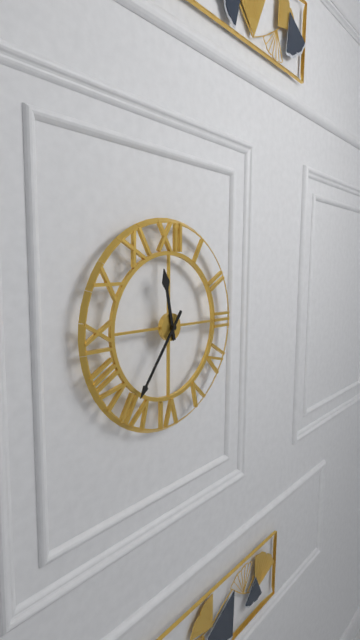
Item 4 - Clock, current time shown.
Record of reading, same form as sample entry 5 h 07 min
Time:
11 h 36 min
